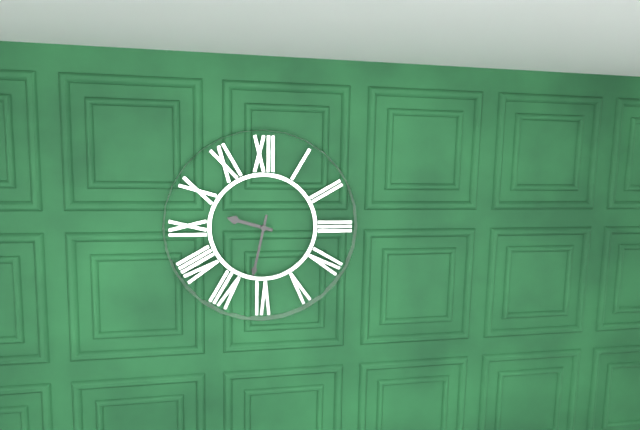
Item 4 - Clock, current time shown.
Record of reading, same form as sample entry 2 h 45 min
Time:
9 h 32 min
